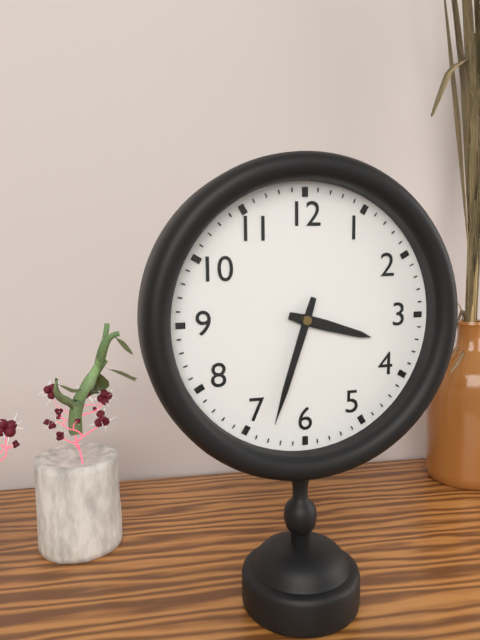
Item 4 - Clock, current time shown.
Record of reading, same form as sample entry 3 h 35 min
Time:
3 h 33 min
